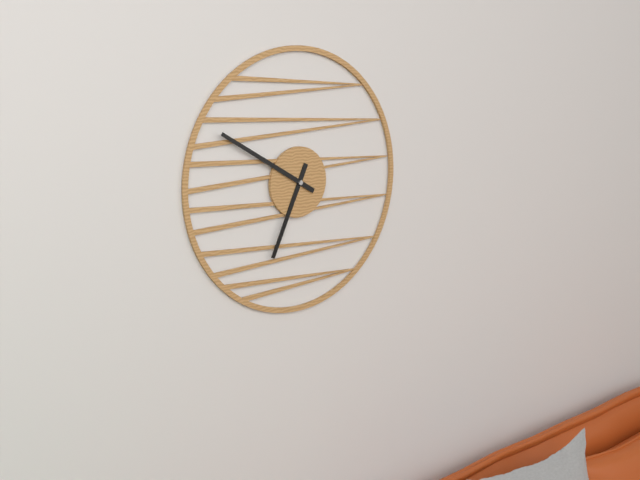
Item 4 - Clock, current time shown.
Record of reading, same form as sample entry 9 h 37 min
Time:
6 h 50 min
